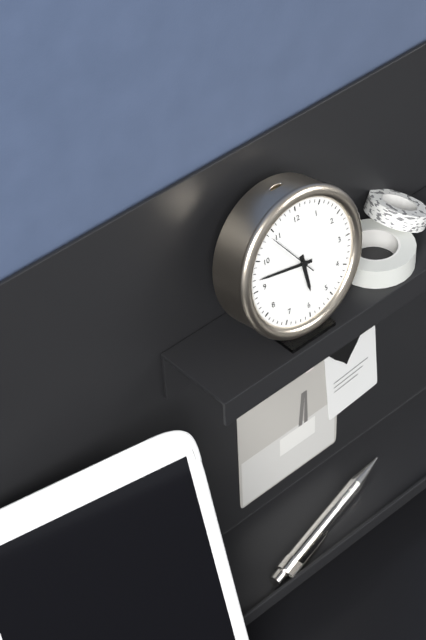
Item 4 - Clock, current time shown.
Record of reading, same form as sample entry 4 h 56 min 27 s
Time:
5 h 47 min 54 s
